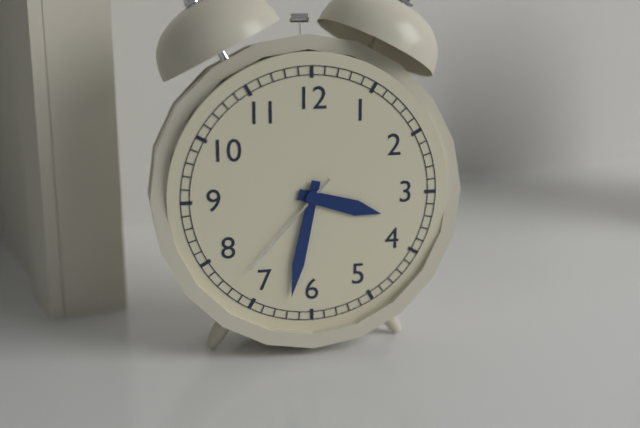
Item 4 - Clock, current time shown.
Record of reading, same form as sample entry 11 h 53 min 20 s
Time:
3 h 32 min 37 s
